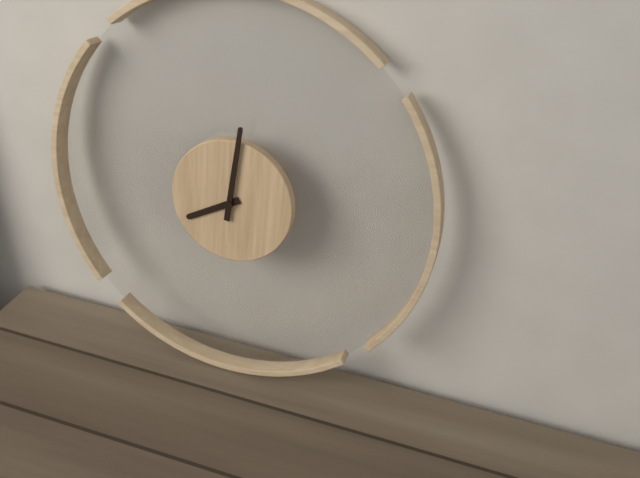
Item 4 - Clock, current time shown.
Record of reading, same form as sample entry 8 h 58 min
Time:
8 h 01 min
